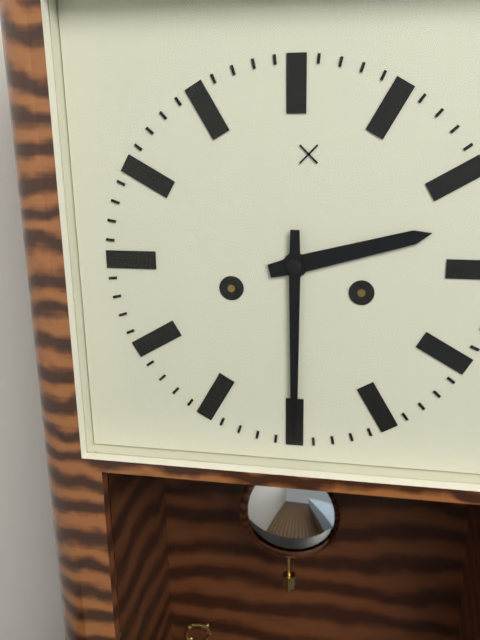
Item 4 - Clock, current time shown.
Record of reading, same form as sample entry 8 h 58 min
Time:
2 h 30 min
